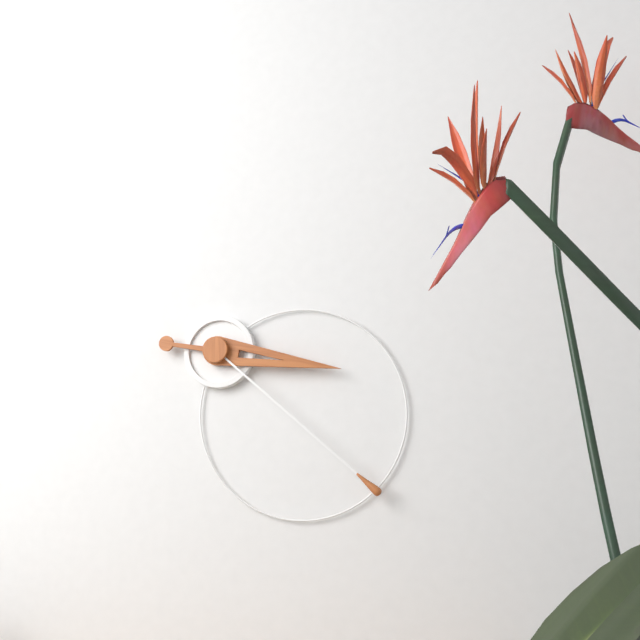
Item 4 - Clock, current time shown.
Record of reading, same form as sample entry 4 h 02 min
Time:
3 h 22 min
